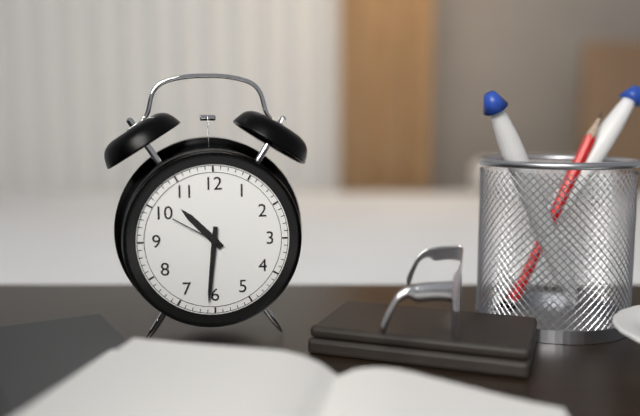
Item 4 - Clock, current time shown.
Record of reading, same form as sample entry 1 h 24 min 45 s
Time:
10 h 31 min 50 s
